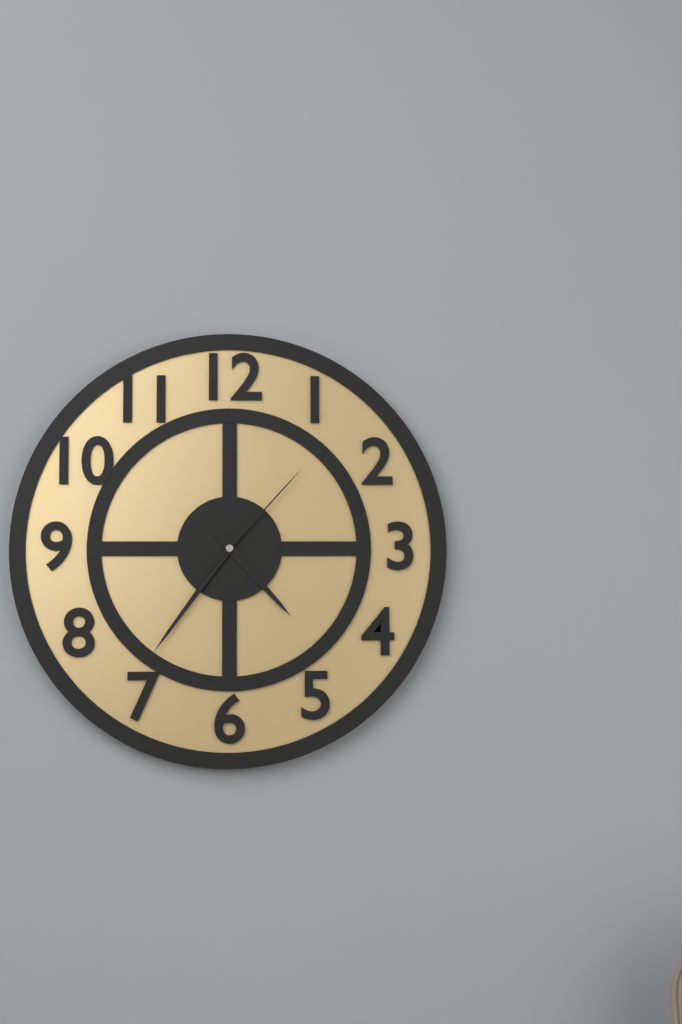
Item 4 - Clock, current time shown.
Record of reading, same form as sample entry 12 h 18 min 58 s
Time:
4 h 36 min 07 s
